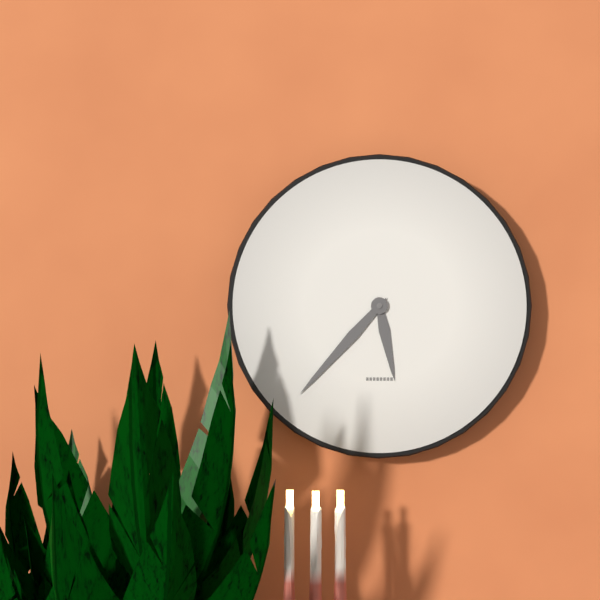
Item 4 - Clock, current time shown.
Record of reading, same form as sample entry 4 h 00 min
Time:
5 h 37 min
